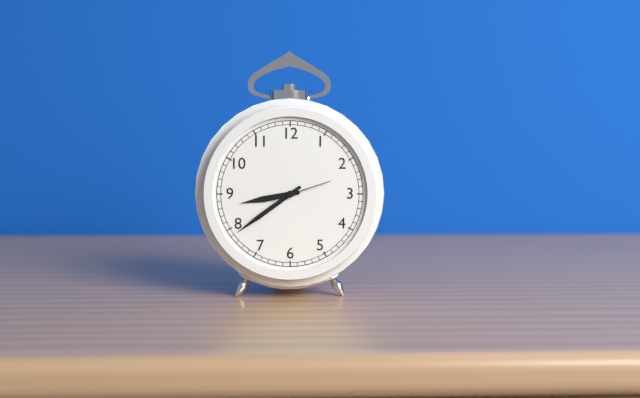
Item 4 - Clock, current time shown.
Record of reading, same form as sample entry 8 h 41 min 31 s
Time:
8 h 39 min 12 s
